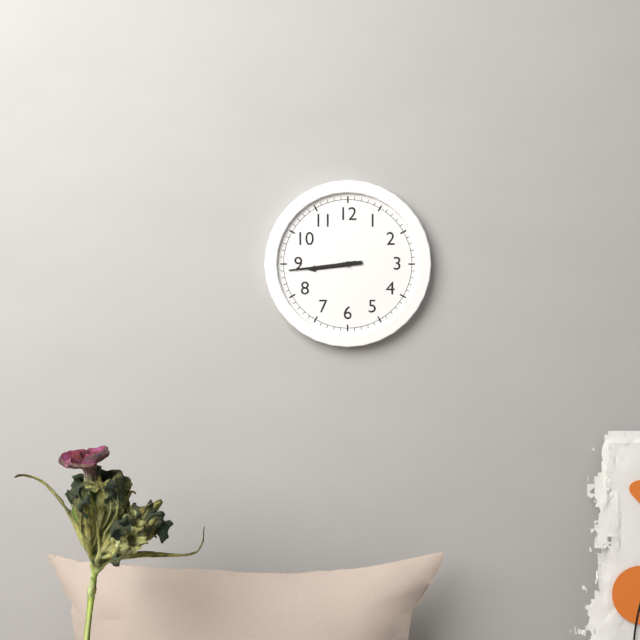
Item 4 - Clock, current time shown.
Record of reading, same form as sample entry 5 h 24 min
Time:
8 h 44 min
